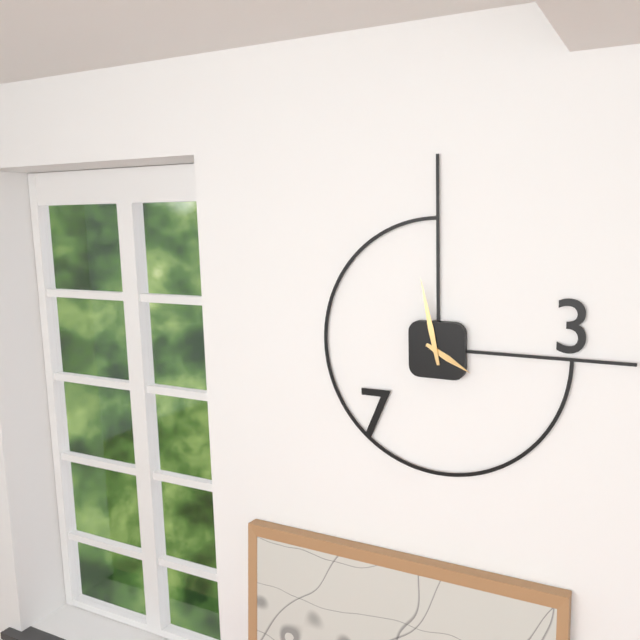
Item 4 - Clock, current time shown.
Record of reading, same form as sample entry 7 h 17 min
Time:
3 h 58 min
